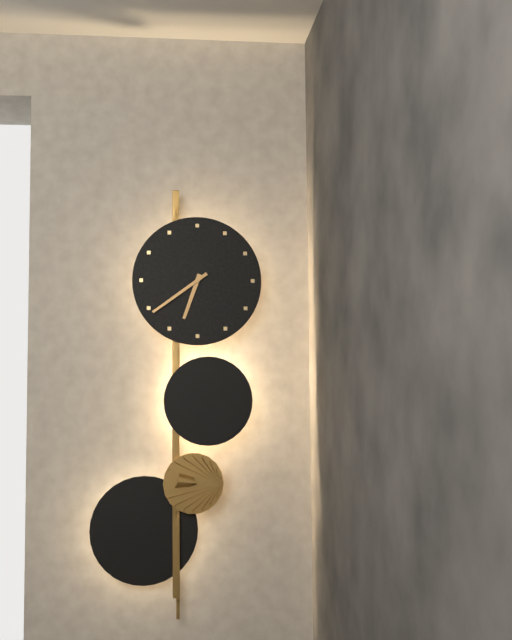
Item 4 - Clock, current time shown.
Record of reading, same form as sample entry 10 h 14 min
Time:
6 h 39 min
